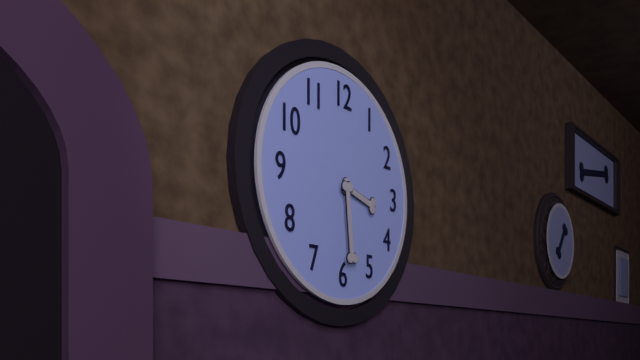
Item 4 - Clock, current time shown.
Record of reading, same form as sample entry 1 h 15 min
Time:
3 h 29 min
